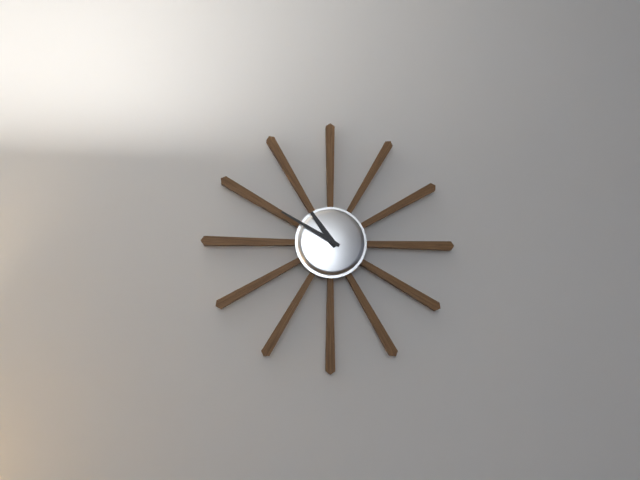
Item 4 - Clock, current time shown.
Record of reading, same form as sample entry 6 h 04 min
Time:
10 h 50 min
